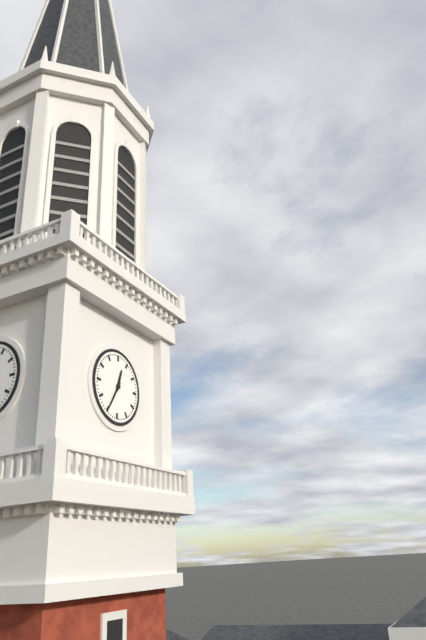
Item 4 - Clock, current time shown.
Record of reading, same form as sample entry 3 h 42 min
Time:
12 h 35 min
